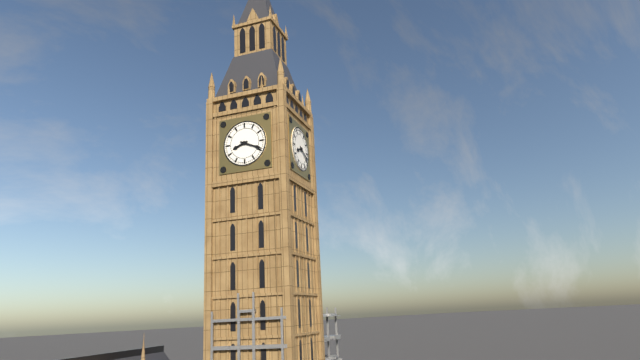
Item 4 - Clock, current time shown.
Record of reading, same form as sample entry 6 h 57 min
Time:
8 h 19 min
